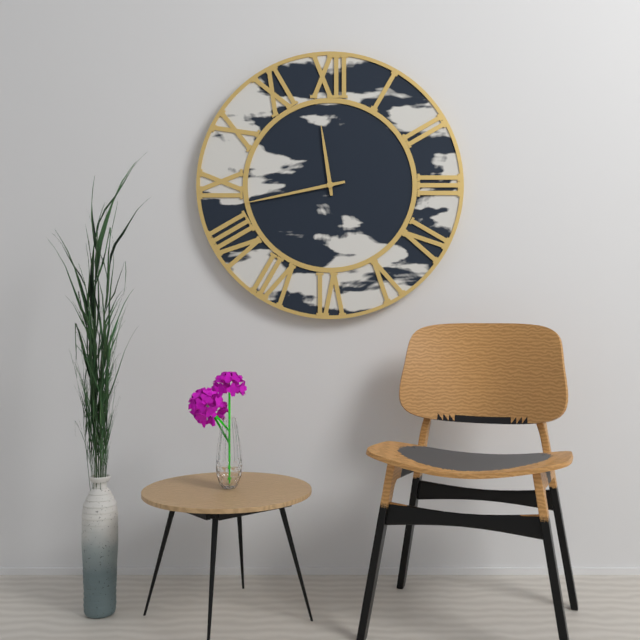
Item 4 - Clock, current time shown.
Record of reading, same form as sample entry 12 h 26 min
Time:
11 h 43 min
